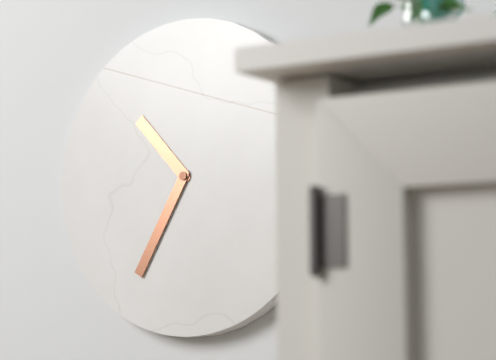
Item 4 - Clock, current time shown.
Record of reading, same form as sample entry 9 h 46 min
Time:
10 h 35 min
